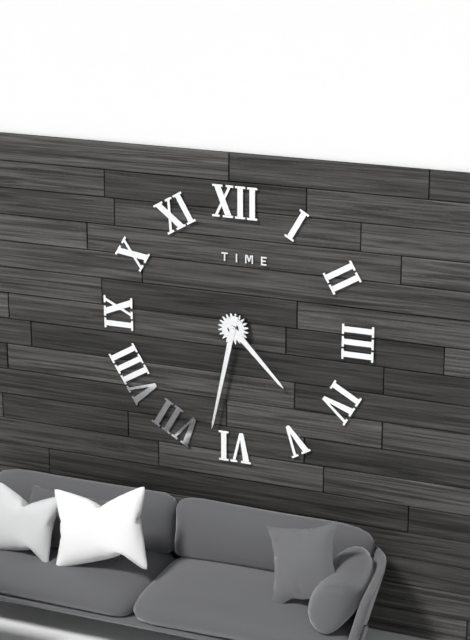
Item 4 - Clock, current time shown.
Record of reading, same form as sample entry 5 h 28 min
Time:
4 h 32 min
